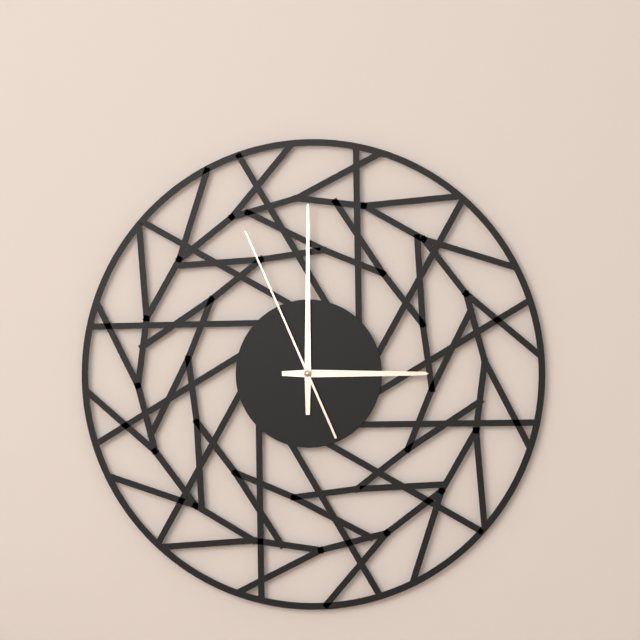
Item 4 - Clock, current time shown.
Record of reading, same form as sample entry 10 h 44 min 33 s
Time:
3 h 00 min 56 s
